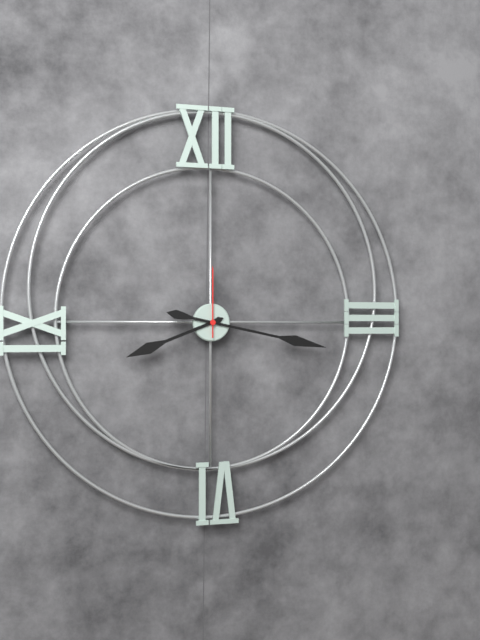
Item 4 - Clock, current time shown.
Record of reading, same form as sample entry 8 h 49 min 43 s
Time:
8 h 17 min 00 s
